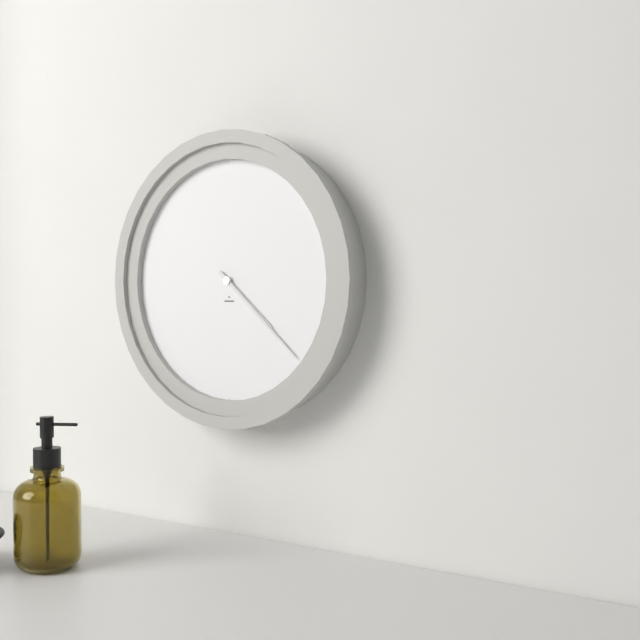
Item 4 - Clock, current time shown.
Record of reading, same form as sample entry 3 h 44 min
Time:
4 h 22 min
